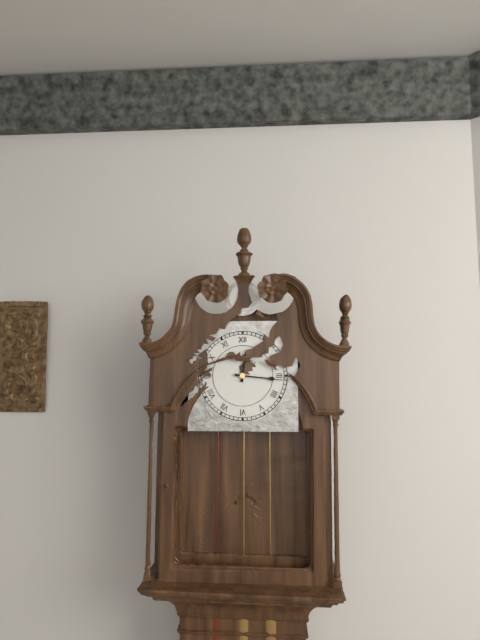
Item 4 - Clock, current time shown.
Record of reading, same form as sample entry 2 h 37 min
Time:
12 h 16 min
